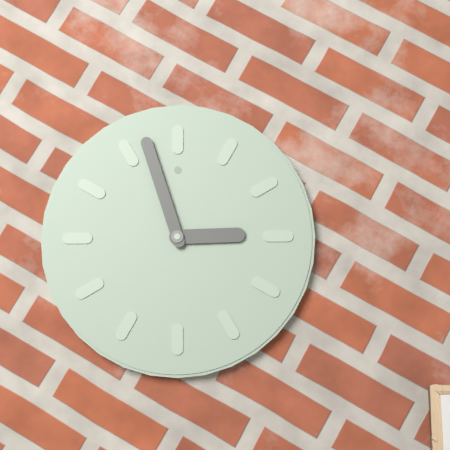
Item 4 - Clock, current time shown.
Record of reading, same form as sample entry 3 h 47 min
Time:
2 h 57 min
